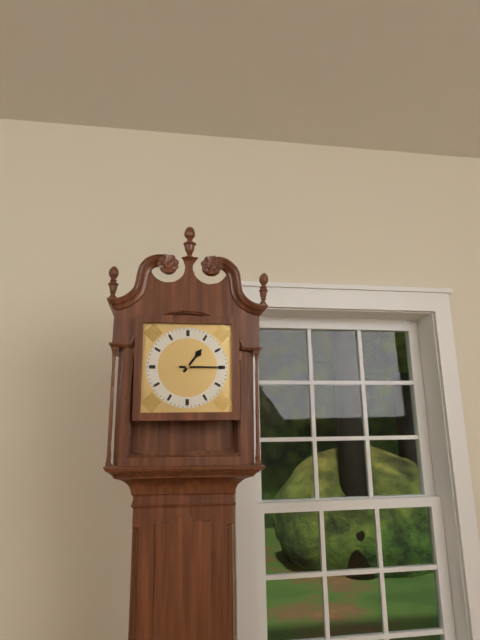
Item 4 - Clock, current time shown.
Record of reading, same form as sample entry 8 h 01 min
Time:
1 h 15 min
